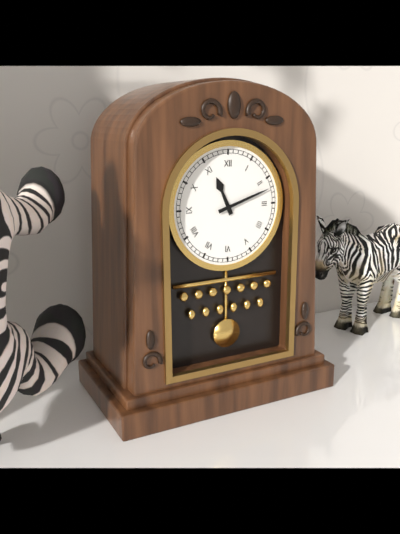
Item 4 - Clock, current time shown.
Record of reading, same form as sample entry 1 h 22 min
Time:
11 h 12 min
